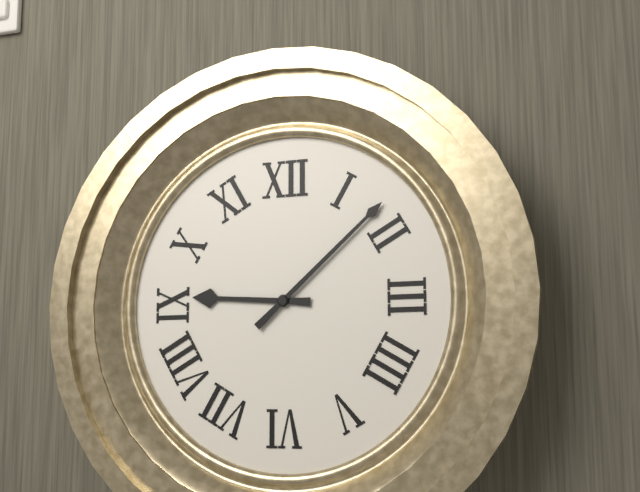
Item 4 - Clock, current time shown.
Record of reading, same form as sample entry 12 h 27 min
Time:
9 h 08 min
